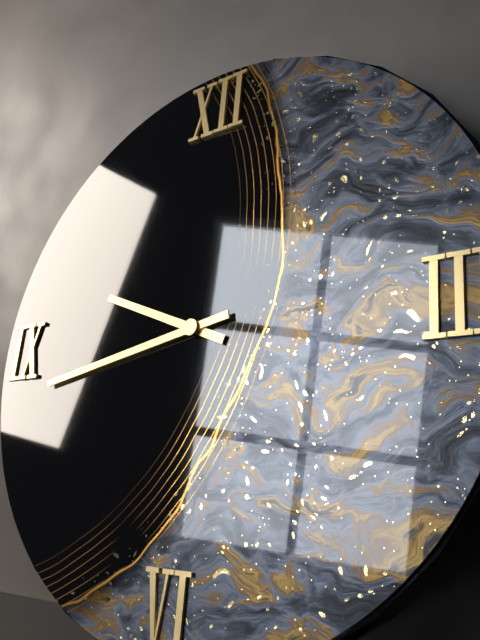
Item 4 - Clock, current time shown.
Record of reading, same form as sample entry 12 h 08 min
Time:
9 h 43 min
